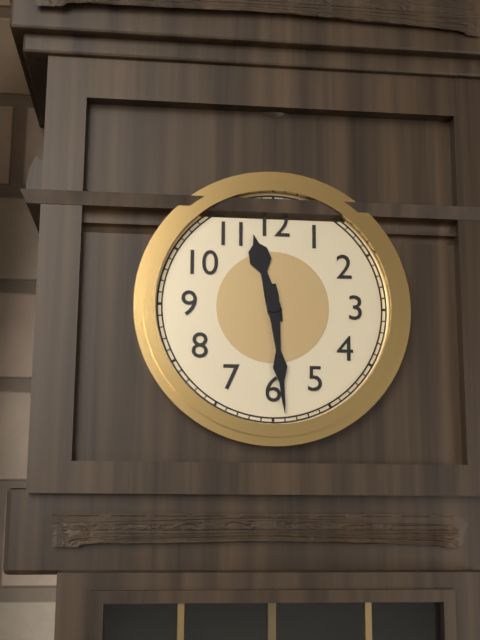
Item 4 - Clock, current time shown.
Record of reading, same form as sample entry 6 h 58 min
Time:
11 h 29 min
